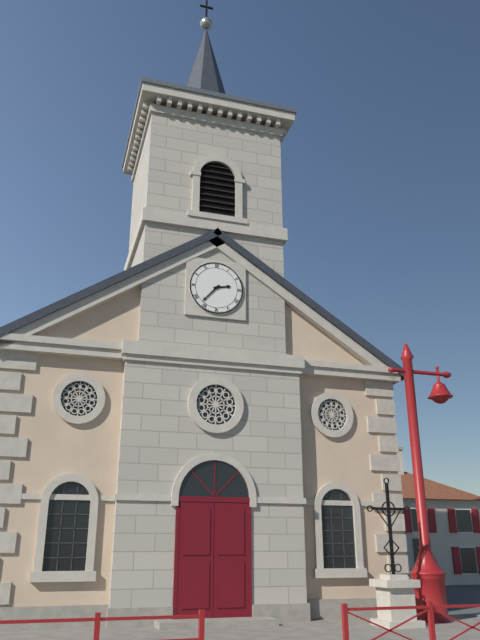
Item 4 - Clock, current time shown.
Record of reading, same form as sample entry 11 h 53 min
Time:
2 h 37 min
